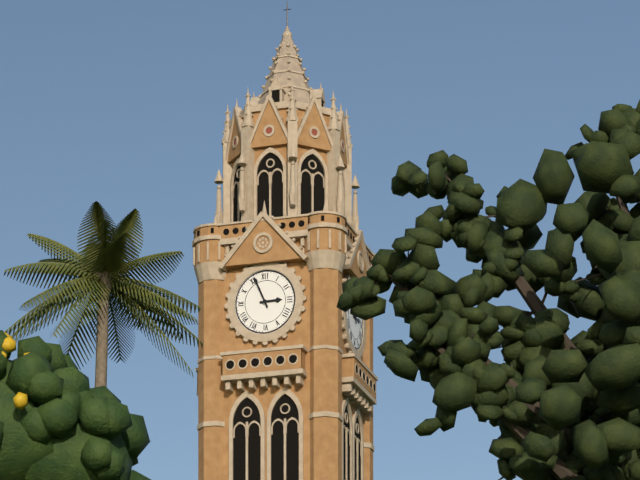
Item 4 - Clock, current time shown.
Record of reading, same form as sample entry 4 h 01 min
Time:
2 h 56 min
